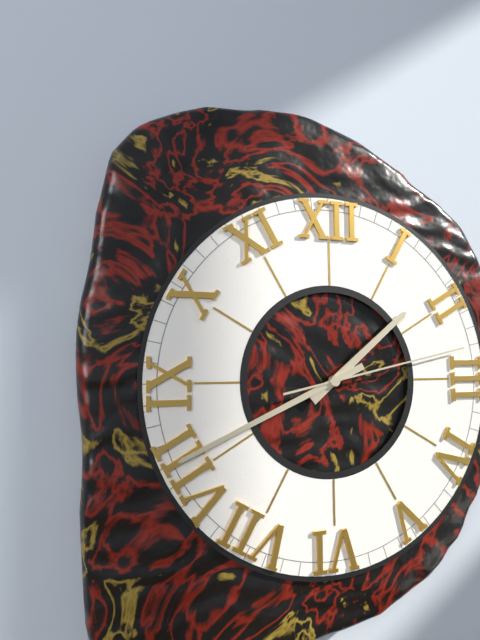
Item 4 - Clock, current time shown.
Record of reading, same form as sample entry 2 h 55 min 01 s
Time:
1 h 41 min 13 s
